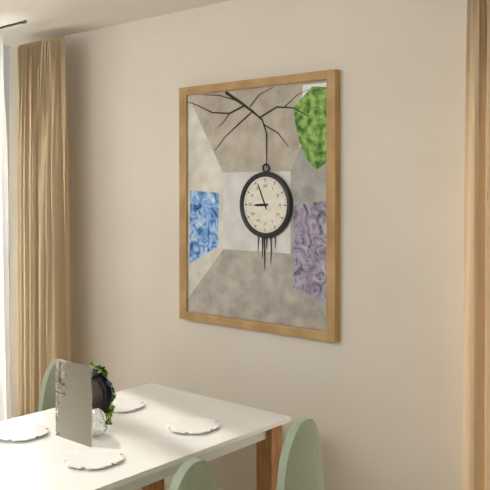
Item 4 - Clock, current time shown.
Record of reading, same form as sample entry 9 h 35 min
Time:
8 h 56 min
